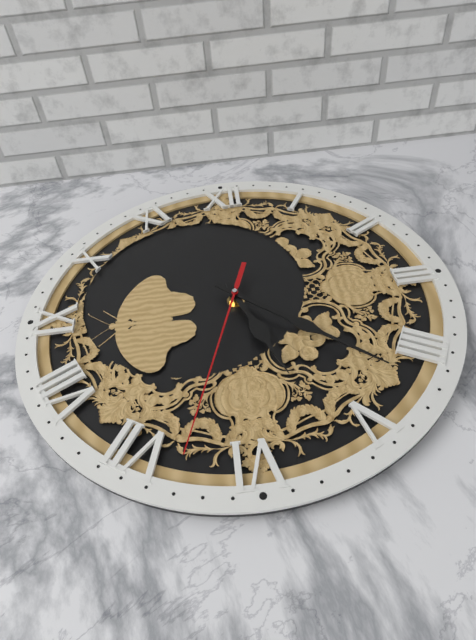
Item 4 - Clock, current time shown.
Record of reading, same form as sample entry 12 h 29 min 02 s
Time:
5 h 22 min 33 s
